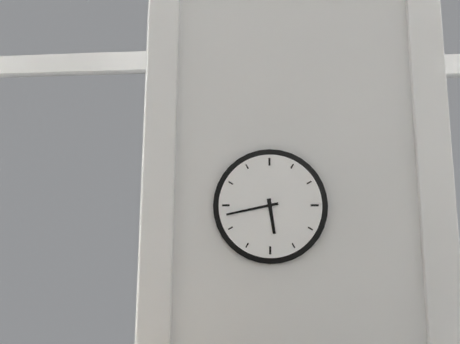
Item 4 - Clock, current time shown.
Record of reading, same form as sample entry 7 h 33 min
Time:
5 h 43 min
